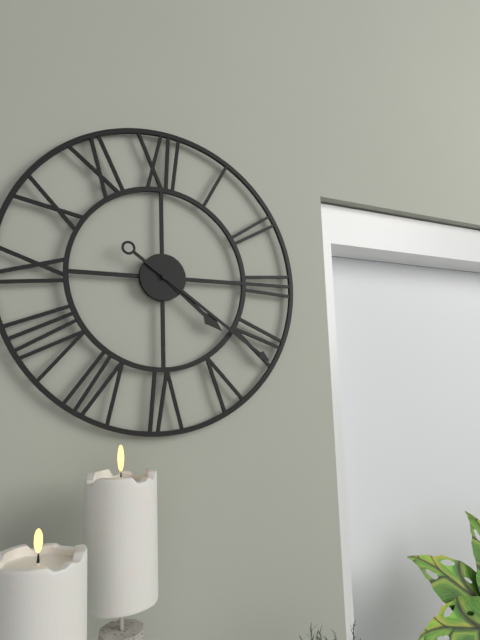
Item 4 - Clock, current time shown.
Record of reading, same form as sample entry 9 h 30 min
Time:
4 h 21 min
